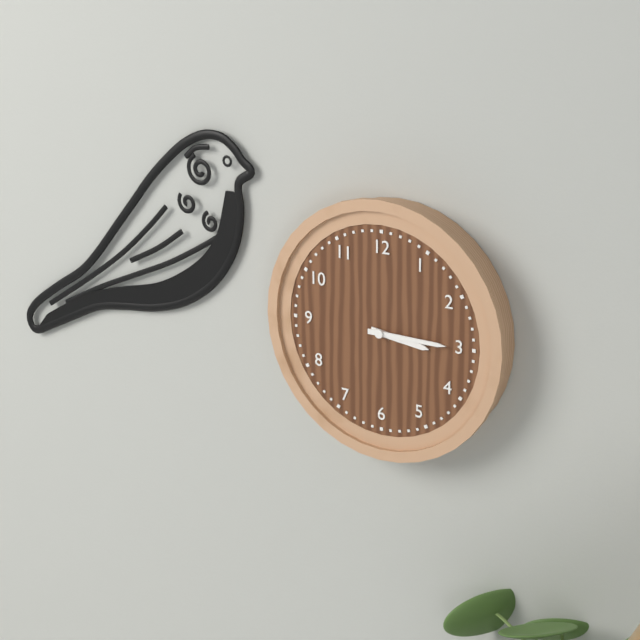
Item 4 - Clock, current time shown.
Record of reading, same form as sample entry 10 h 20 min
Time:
3 h 15 min
